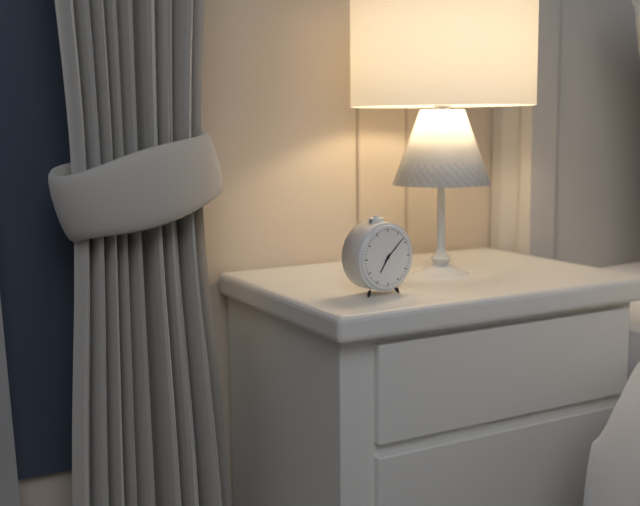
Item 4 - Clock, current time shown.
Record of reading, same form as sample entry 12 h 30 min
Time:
7 h 08 min
